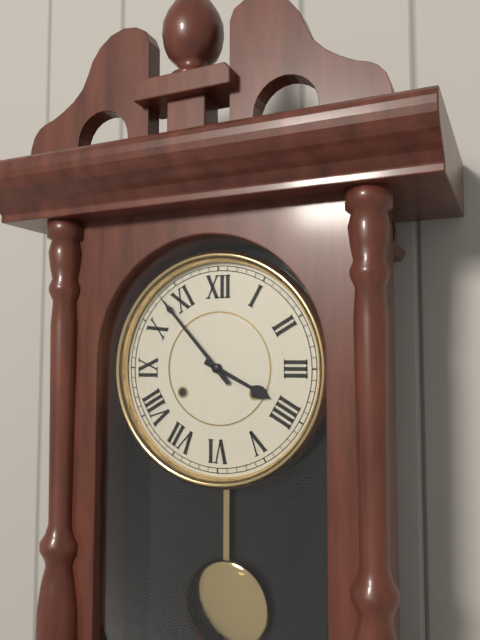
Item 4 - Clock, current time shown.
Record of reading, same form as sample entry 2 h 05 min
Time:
3 h 53 min
